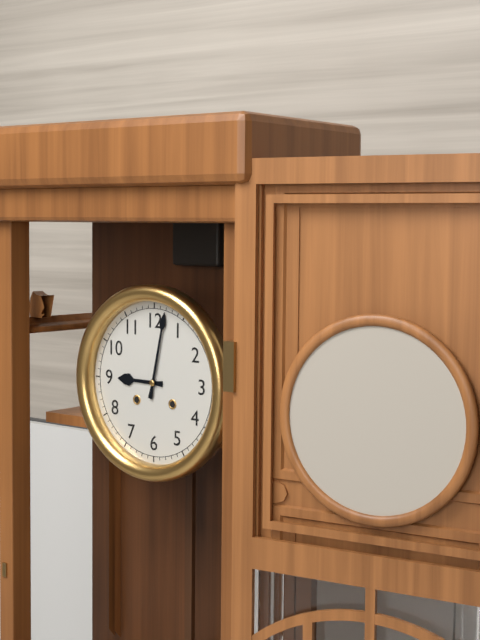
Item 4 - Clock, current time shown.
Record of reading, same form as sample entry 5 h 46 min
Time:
9 h 02 min
